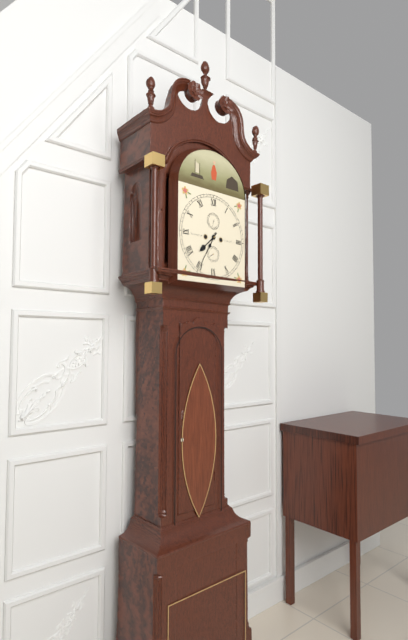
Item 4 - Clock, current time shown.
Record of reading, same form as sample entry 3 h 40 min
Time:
7 h 35 min
